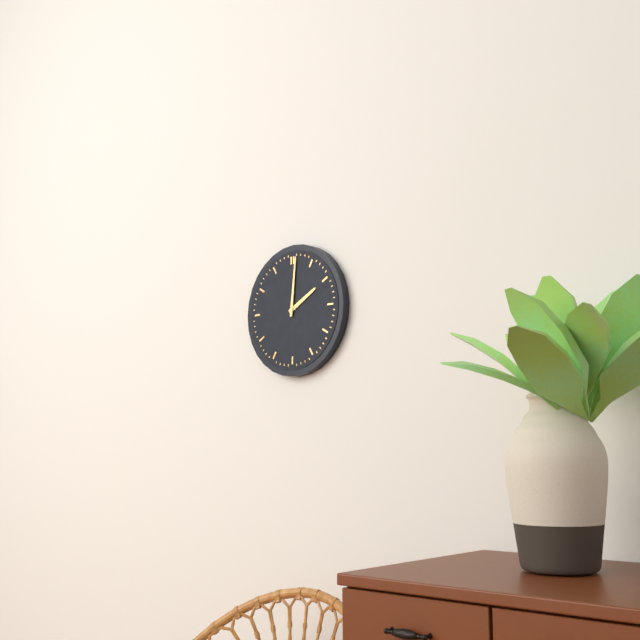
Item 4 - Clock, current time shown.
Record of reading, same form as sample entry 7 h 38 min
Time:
2 h 01 min
